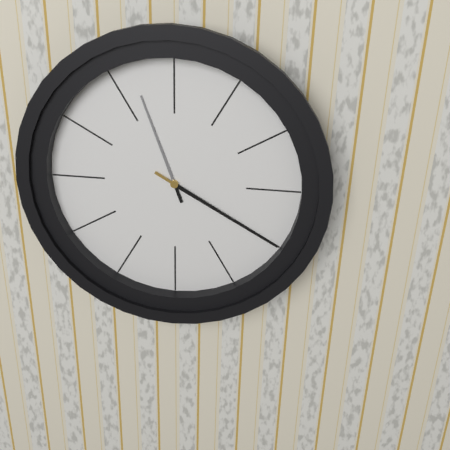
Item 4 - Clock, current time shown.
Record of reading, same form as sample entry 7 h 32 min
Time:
11 h 20 min
